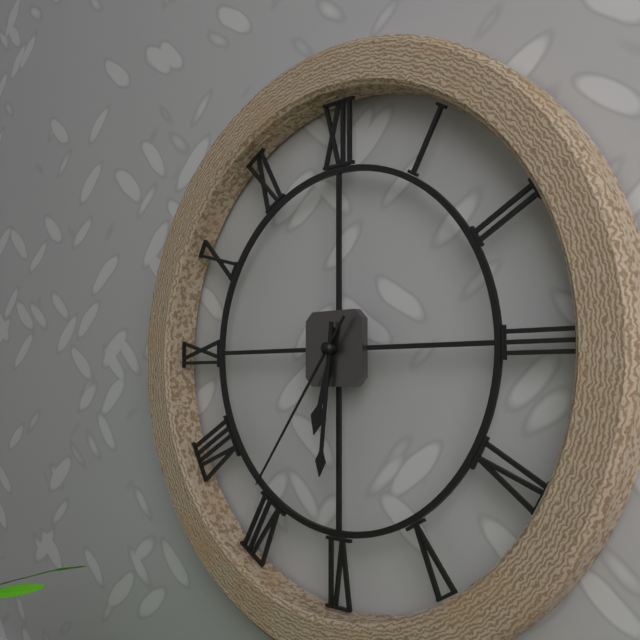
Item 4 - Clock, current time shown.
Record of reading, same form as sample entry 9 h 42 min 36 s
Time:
6 h 31 min 36 s
